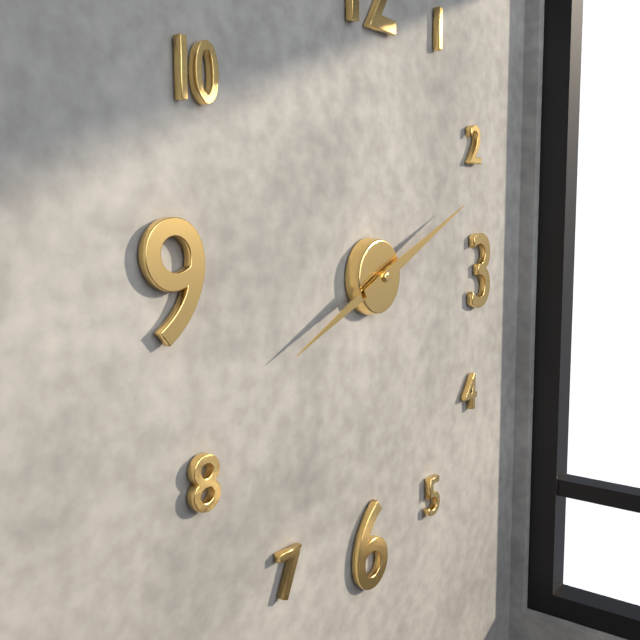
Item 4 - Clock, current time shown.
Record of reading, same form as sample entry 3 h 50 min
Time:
8 h 11 min
